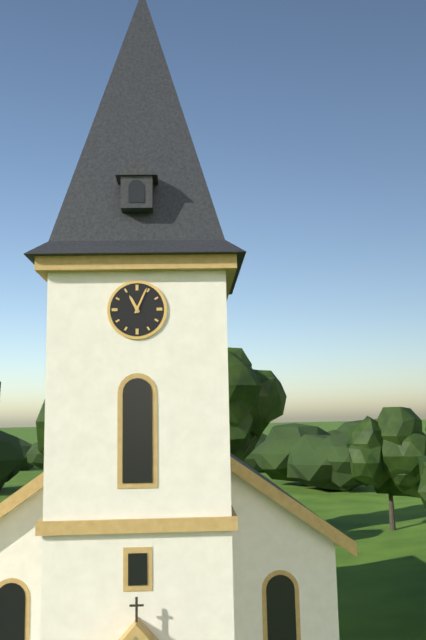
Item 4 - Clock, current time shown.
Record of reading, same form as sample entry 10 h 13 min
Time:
11 h 04 min
